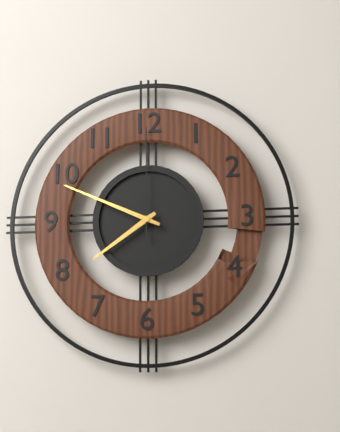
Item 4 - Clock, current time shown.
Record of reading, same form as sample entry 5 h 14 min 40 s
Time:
7 h 49 min 00 s
